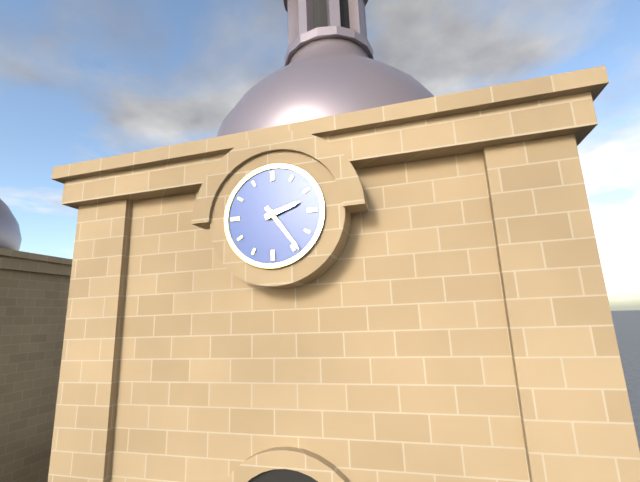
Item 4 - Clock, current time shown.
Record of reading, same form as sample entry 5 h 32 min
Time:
2 h 24 min
